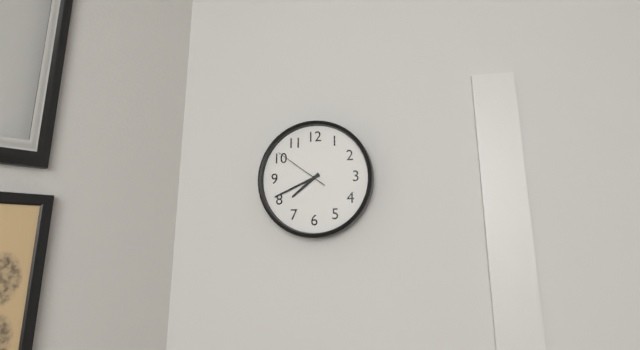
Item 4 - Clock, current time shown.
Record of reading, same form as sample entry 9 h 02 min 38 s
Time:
7 h 41 min 51 s
